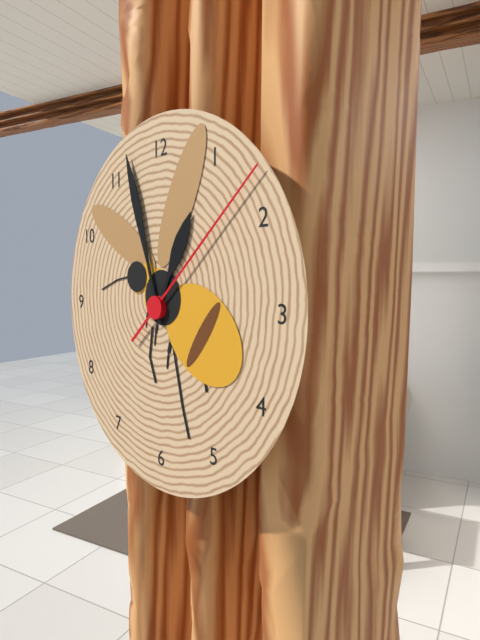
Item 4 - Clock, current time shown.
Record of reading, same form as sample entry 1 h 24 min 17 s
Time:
12 h 57 min 08 s
